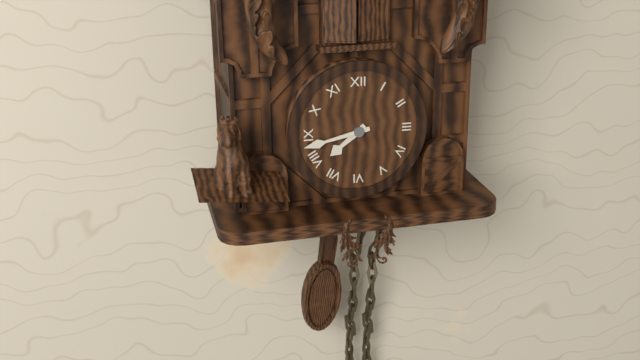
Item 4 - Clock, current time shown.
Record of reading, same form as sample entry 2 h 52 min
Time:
7 h 43 min
